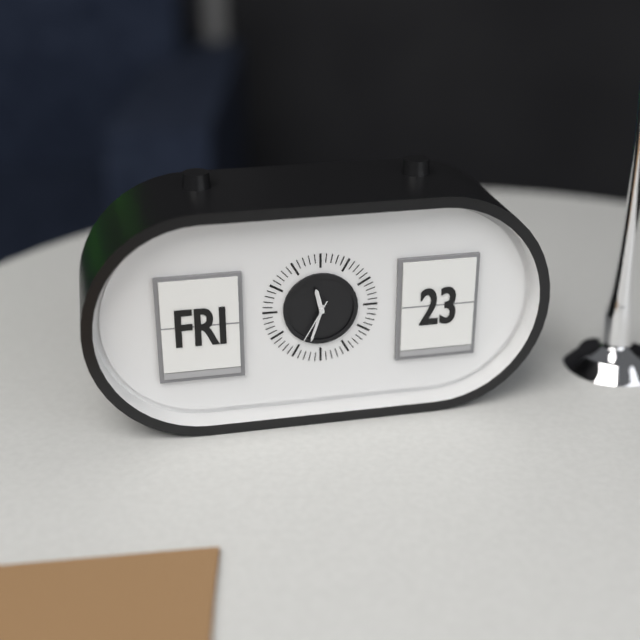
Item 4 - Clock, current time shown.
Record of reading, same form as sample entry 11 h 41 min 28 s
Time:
11 h 33 min 35 s
